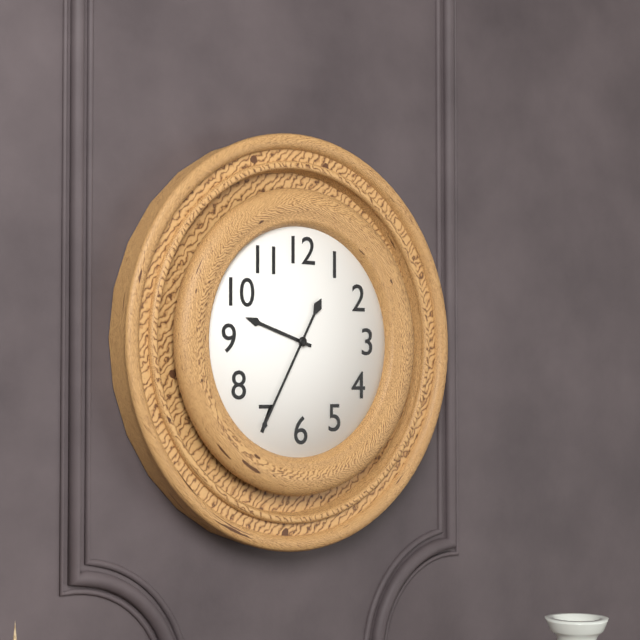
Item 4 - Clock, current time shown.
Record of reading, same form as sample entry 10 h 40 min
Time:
9 h 35 min
